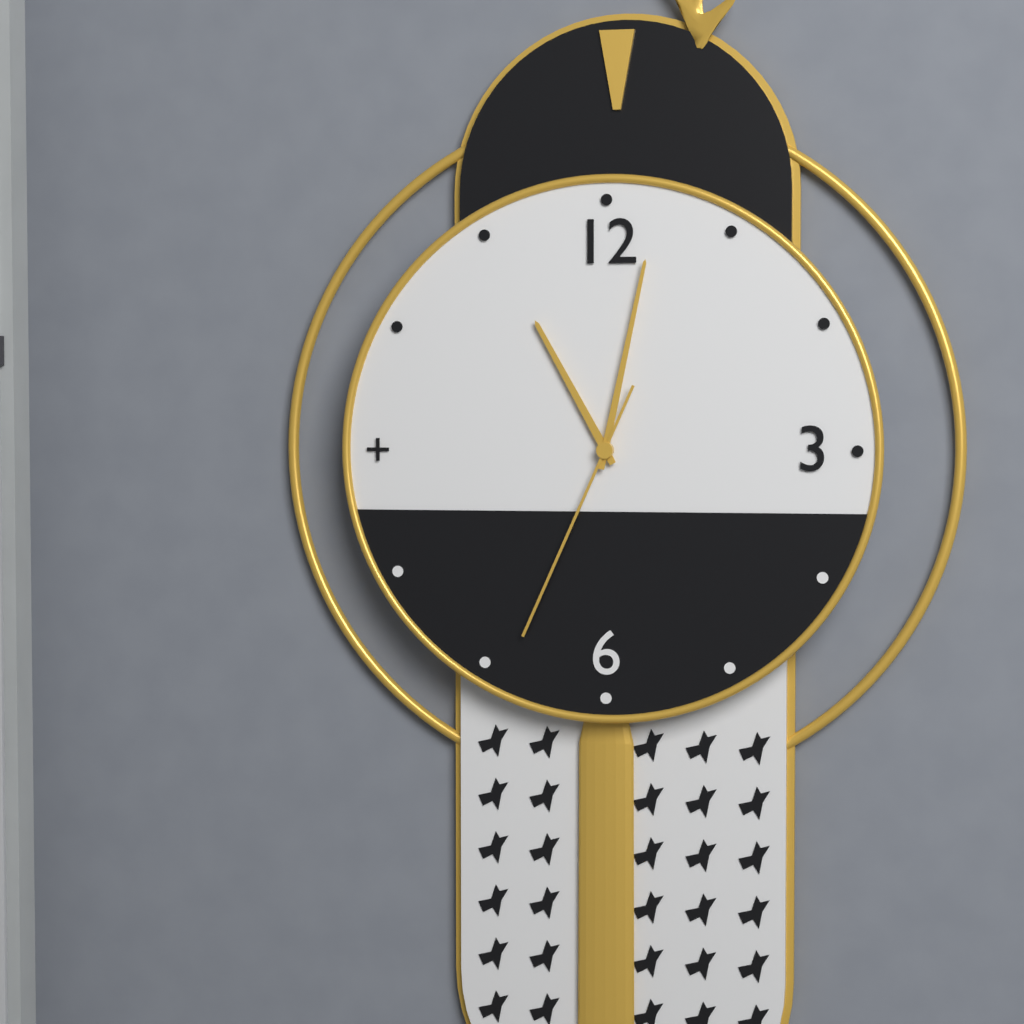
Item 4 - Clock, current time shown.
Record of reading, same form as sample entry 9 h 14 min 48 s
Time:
11 h 02 min 34 s
